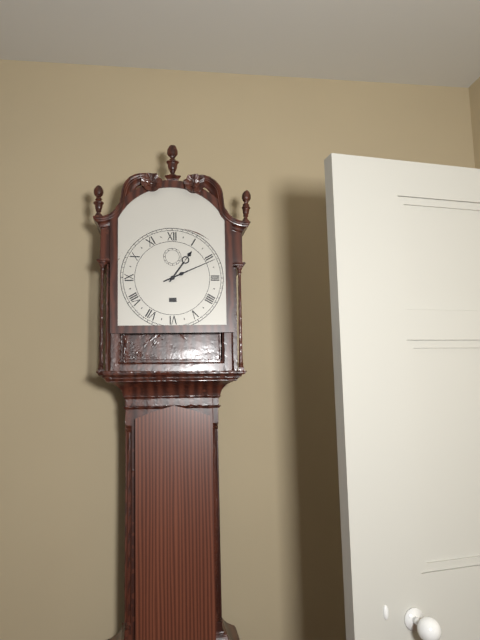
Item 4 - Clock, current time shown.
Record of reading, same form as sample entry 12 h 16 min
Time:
1 h 11 min
